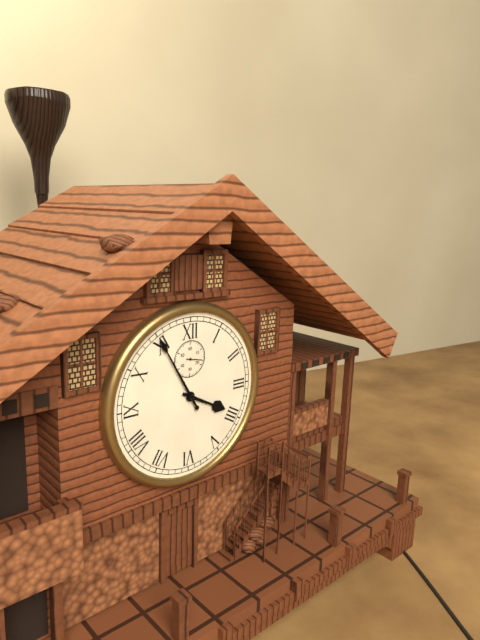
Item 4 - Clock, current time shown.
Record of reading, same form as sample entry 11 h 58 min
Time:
3 h 55 min
